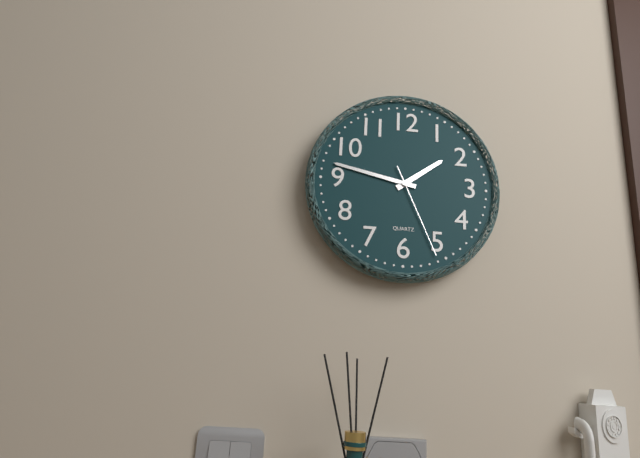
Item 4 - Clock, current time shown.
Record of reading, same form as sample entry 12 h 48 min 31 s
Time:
1 h 47 min 26 s
